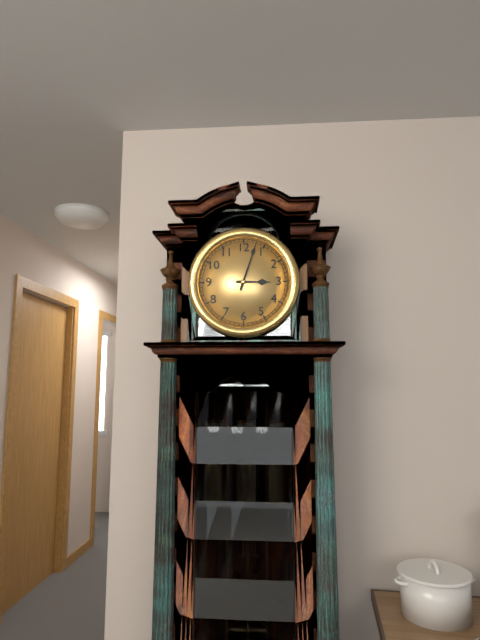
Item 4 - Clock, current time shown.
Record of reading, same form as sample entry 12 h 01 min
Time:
3 h 03 min
